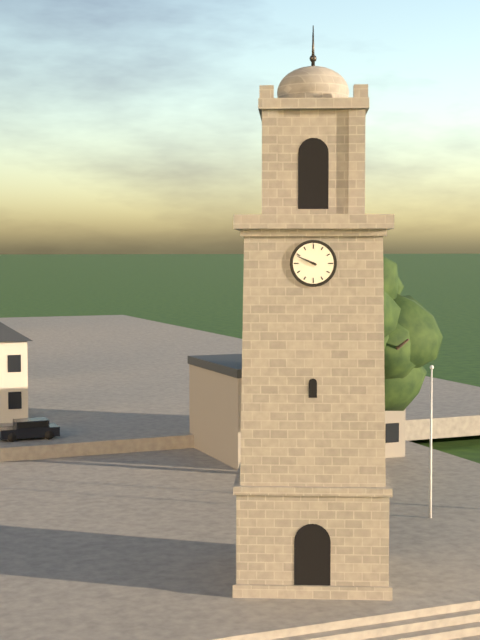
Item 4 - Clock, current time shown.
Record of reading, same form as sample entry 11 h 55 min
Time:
9 h 49 min
